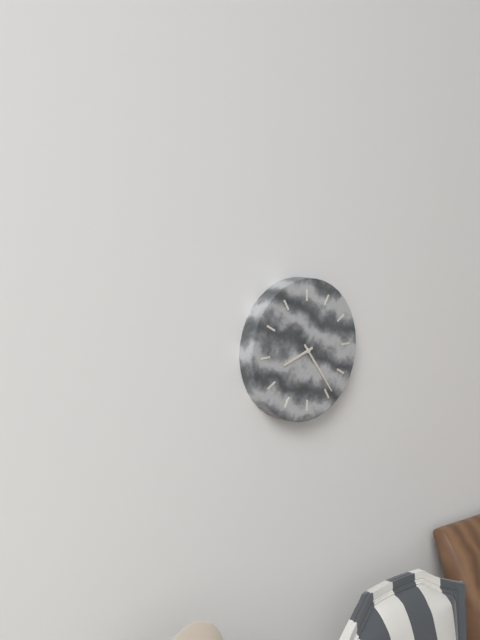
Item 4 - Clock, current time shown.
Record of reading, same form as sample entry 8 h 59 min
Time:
8 h 24 min
